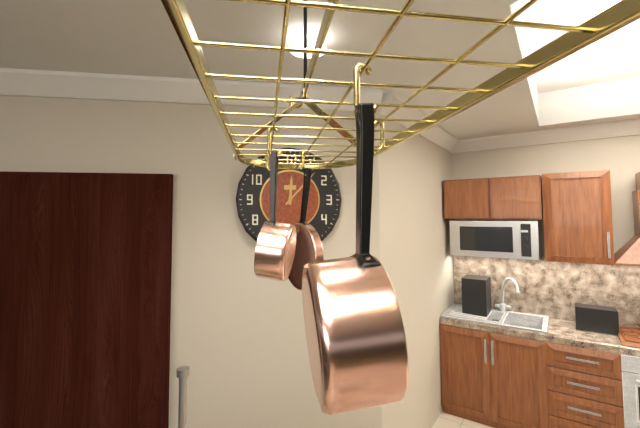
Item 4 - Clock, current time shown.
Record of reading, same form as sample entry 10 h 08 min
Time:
12 h 07 min
